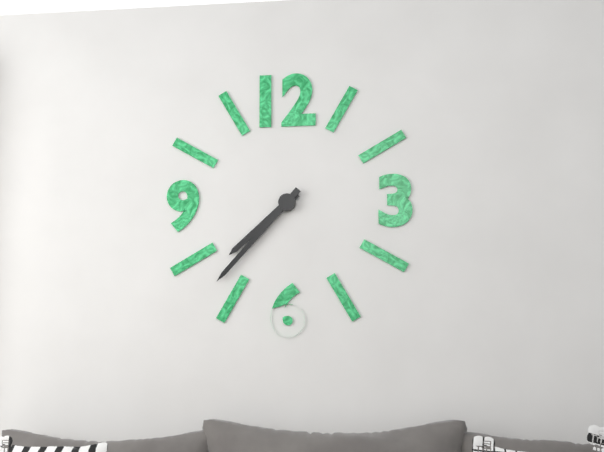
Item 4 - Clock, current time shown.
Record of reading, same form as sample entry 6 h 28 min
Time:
7 h 37 min
